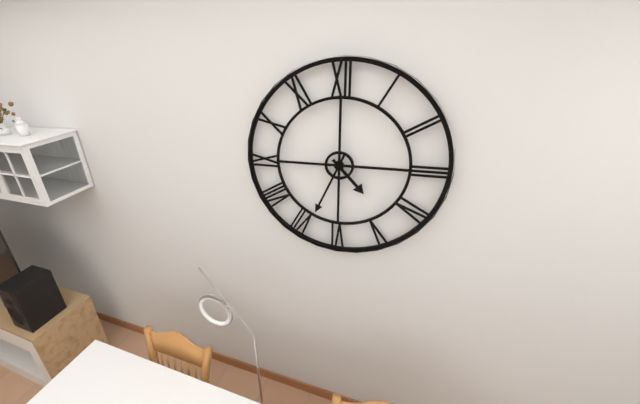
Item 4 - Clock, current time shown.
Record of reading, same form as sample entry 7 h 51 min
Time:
4 h 34 min
